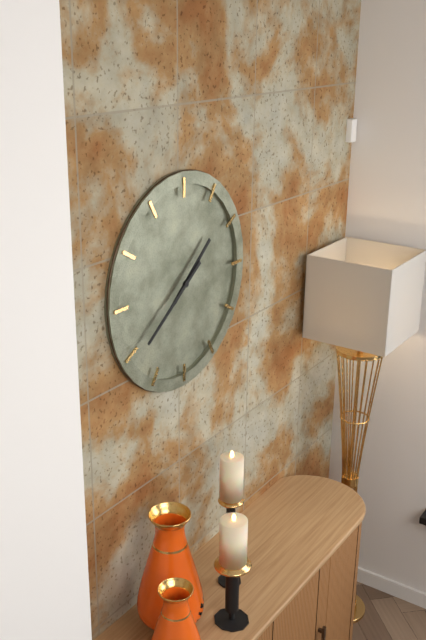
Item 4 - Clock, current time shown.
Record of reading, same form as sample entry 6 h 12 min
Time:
1 h 39 min
